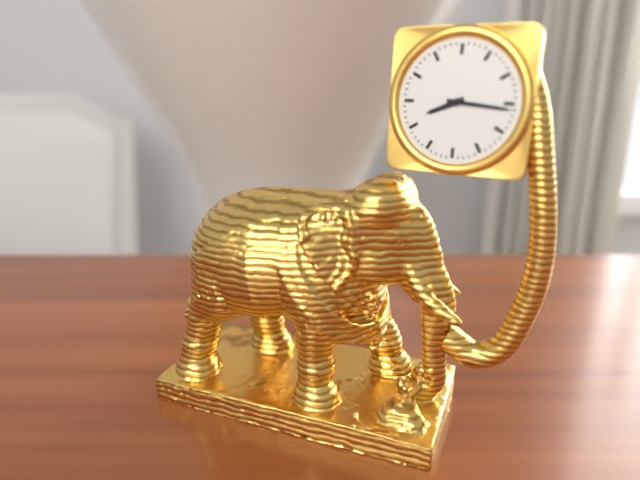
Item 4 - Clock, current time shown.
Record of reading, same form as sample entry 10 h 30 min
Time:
8 h 16 min
